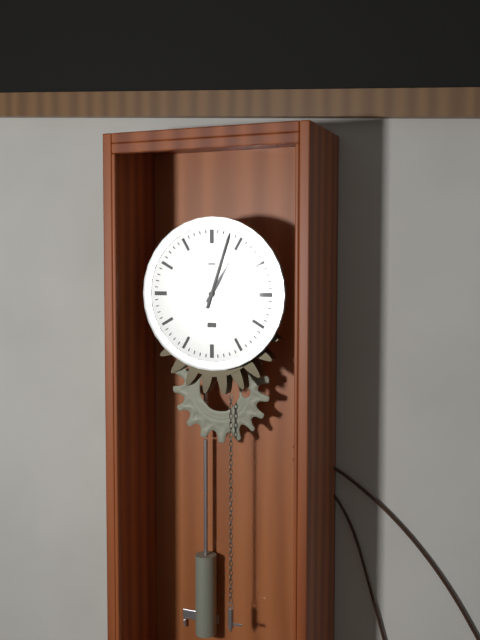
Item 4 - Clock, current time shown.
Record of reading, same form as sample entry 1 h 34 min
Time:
1 h 03 min
